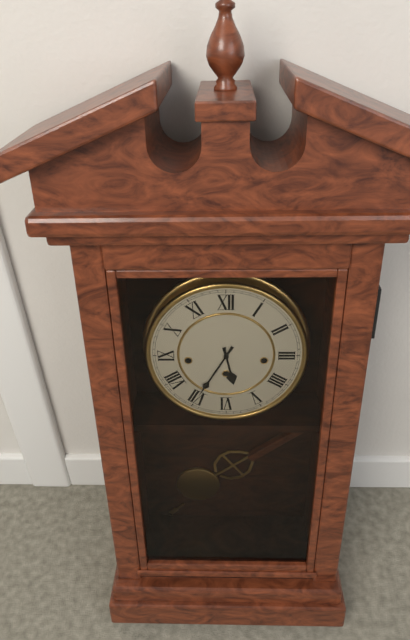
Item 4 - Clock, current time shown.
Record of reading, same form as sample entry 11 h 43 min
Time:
5 h 35 min
